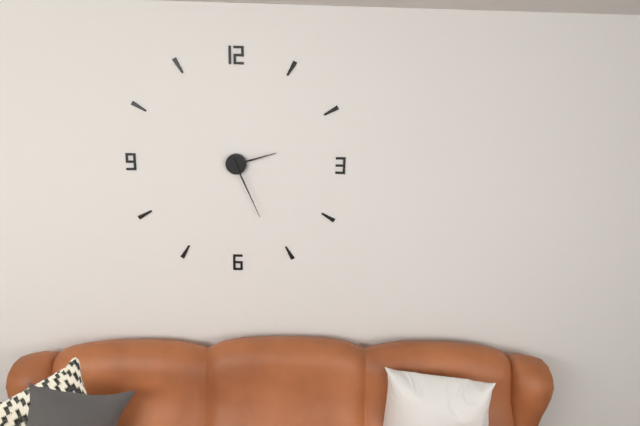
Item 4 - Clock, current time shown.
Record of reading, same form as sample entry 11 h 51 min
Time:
2 h 26 min
